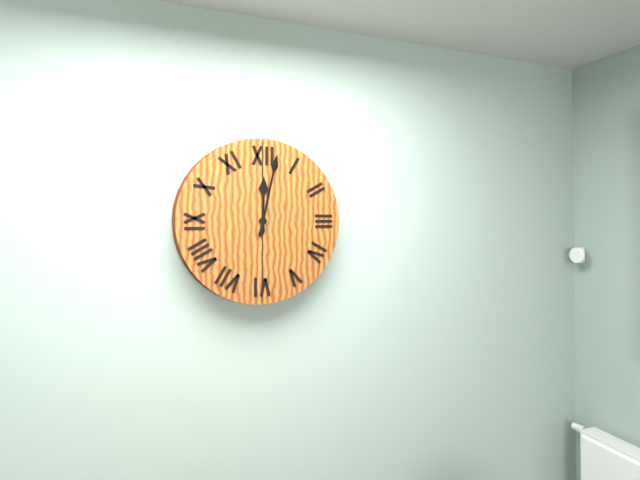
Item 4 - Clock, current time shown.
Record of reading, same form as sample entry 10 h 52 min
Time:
12 h 02 min
